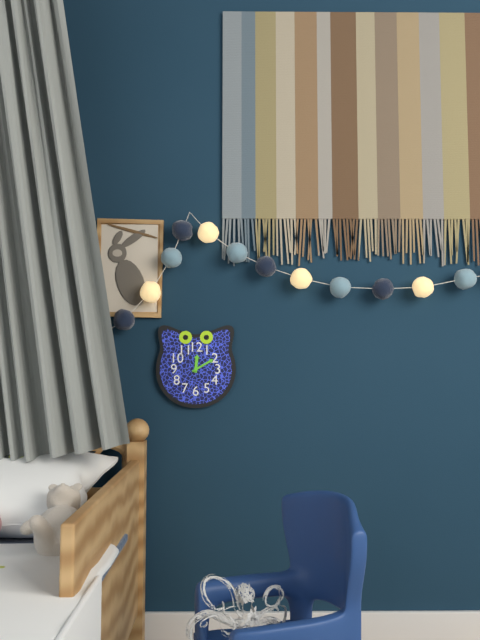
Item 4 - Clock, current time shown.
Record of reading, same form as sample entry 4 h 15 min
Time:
12 h 10 min
